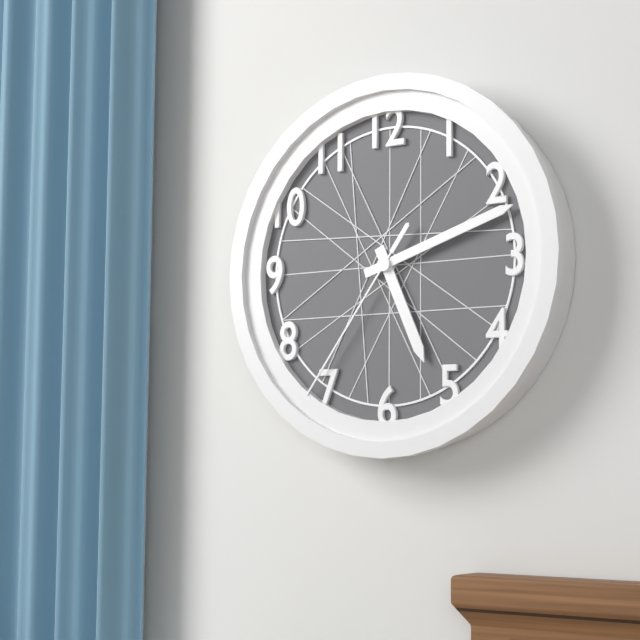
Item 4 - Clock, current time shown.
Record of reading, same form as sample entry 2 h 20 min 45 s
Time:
5 h 12 min 36 s
